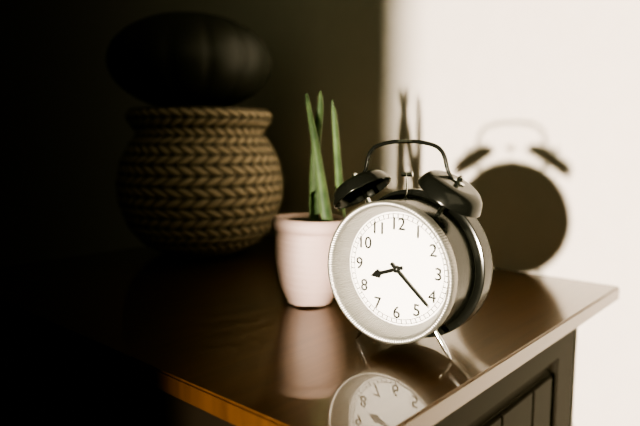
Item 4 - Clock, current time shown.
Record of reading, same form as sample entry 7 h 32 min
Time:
8 h 22 min
